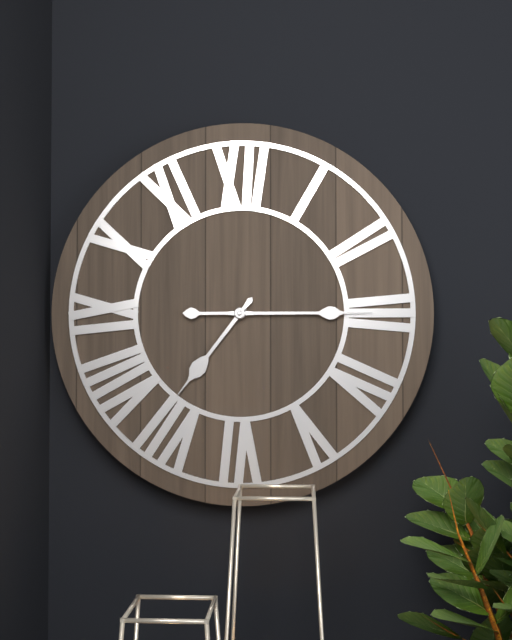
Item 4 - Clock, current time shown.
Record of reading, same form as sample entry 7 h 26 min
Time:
7 h 15 min
